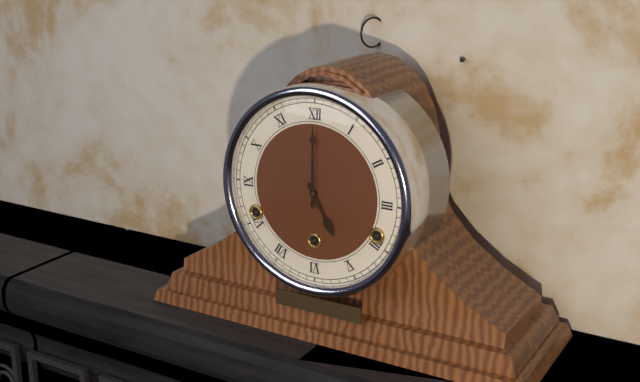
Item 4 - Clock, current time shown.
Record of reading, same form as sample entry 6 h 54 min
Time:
5 h 00 min
